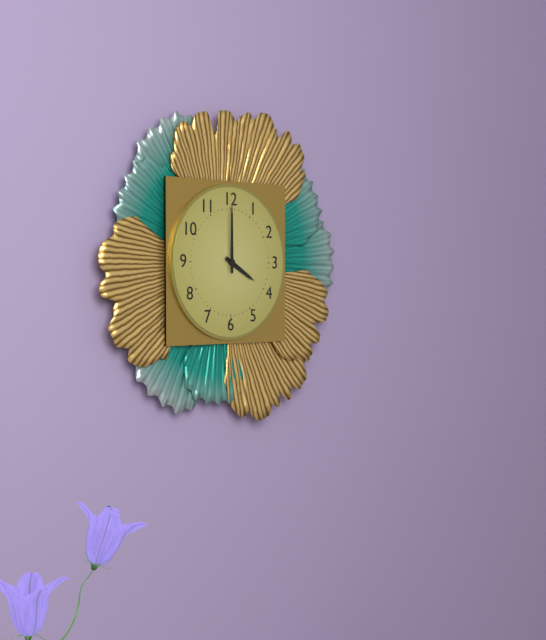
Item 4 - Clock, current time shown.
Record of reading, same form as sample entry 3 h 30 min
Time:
4 h 00 min
